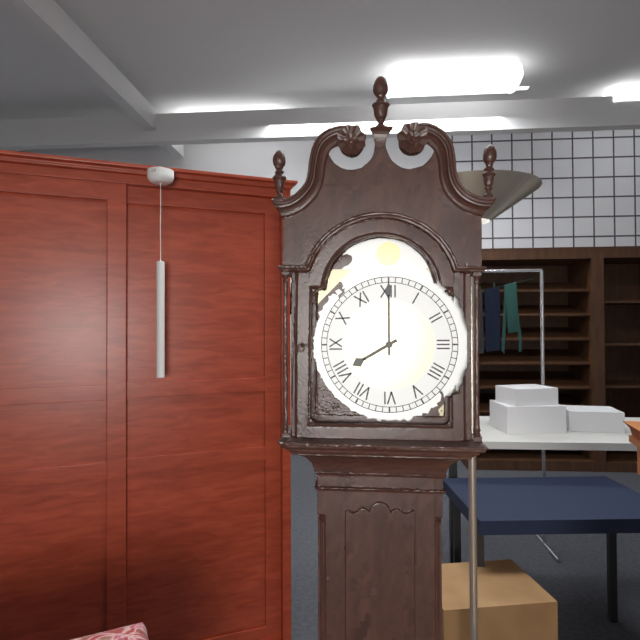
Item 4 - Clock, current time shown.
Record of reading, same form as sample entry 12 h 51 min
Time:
8 h 00 min
